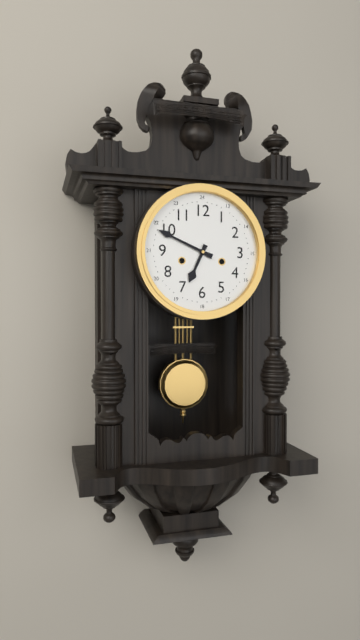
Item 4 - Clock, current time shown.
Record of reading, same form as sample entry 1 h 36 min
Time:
6 h 49 min
